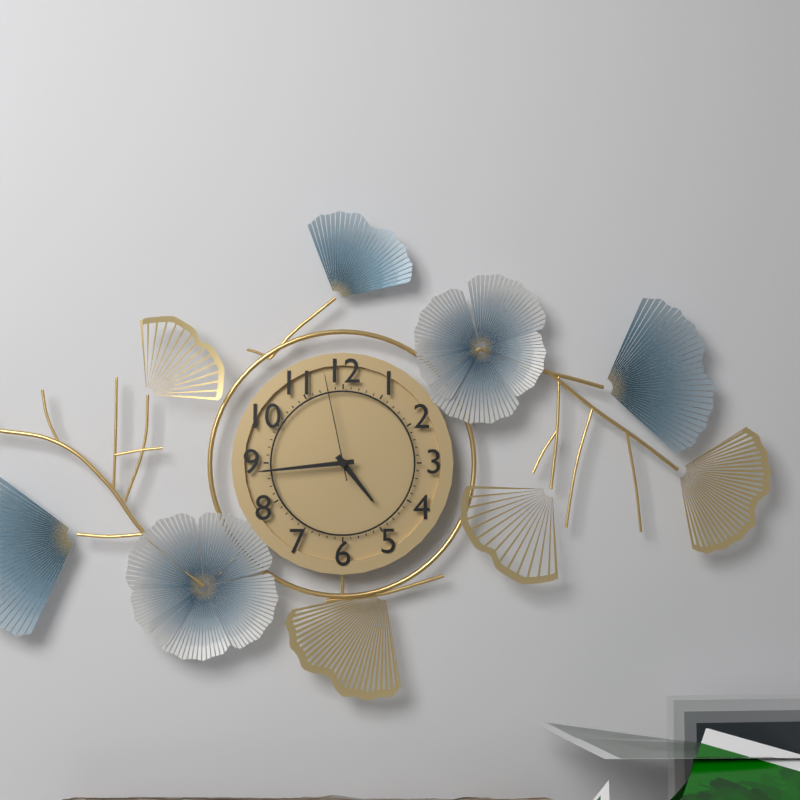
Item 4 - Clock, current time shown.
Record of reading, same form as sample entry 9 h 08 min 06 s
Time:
4 h 44 min 58 s
